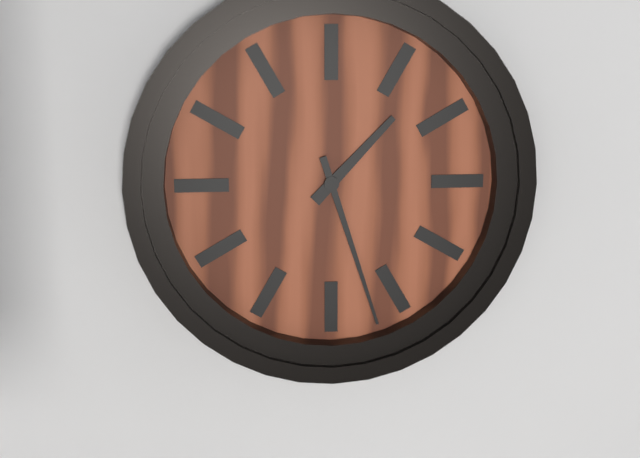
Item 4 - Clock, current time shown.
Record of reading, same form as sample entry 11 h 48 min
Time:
1 h 27 min
